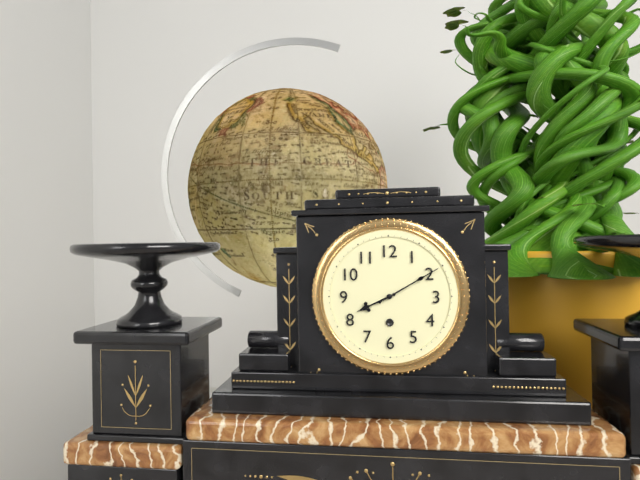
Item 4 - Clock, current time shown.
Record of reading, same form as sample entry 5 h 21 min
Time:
8 h 10 min
